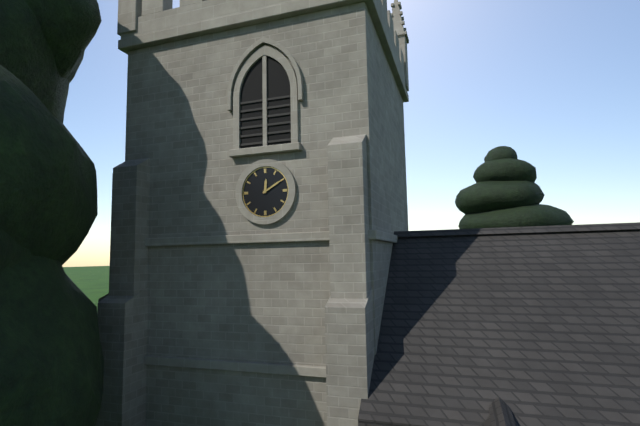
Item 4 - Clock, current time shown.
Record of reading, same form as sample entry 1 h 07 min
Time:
12 h 10 min
